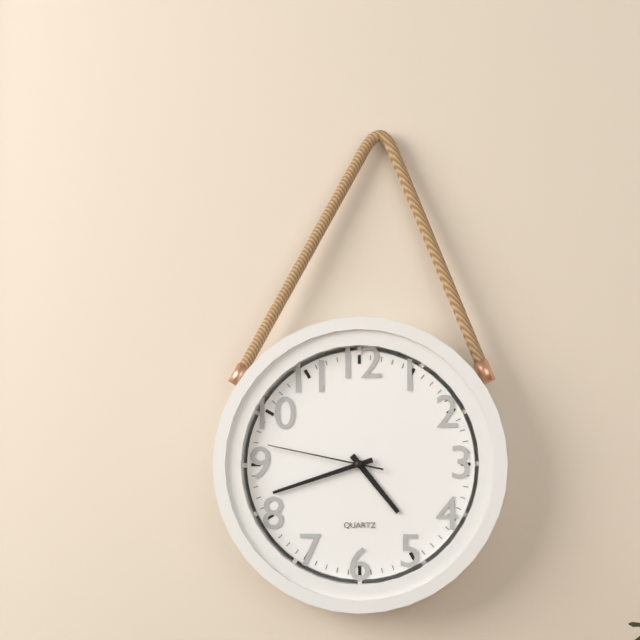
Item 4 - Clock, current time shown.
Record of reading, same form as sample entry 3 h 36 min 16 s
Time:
4 h 42 min 47 s
